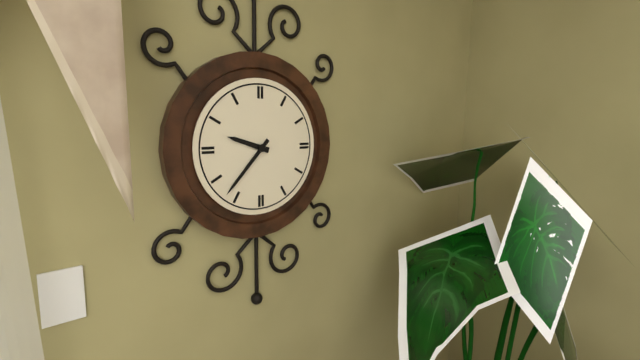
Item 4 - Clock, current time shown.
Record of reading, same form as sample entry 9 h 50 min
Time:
9 h 37 min
